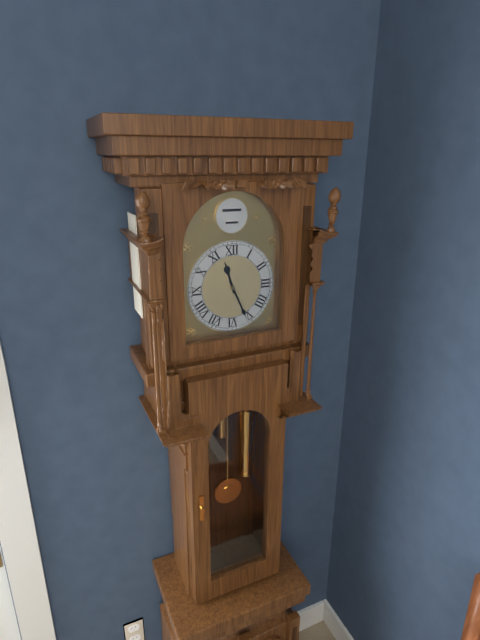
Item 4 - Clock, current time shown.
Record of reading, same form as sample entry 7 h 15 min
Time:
11 h 26 min
